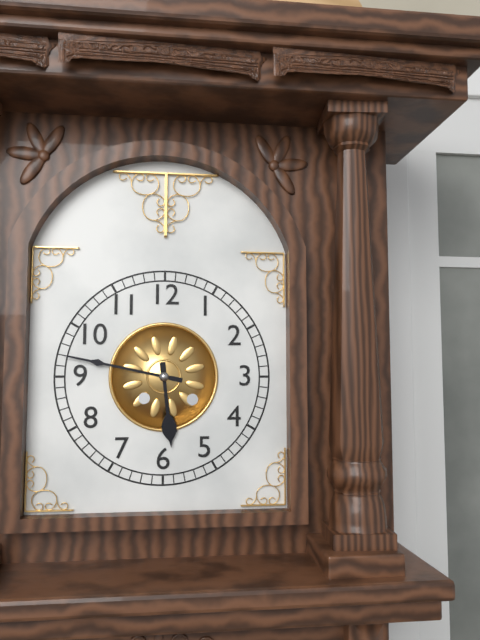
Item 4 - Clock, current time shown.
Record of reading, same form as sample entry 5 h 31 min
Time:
5 h 47 min
